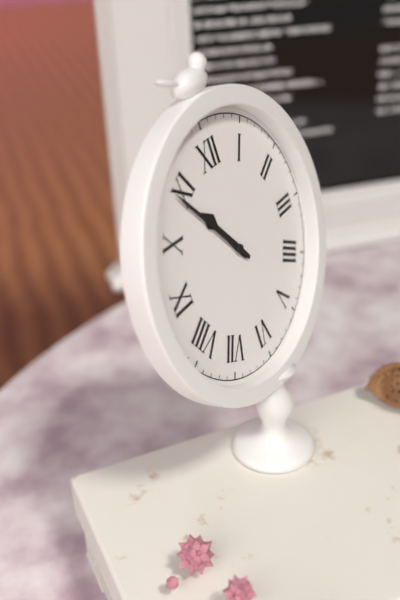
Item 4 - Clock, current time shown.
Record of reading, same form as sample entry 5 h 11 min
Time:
10 h 54 min
